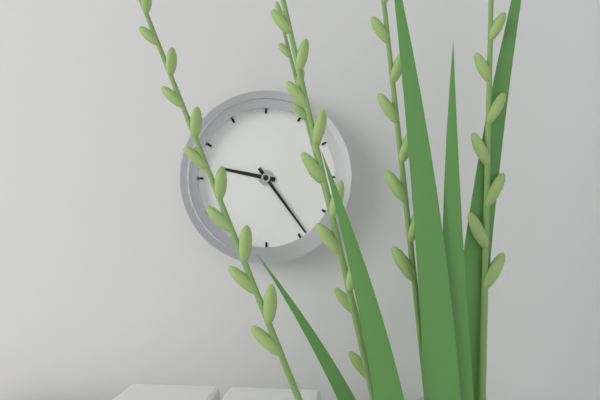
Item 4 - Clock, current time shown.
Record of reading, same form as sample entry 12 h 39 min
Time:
9 h 24 min
